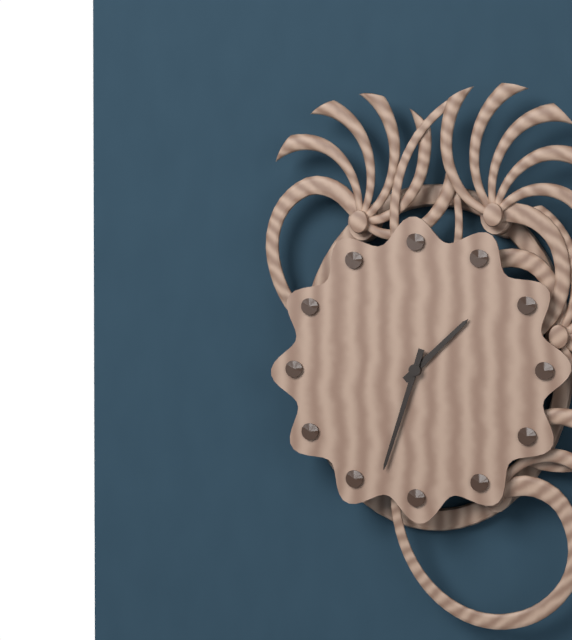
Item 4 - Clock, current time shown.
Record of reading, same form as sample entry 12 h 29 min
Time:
1 h 33 min
